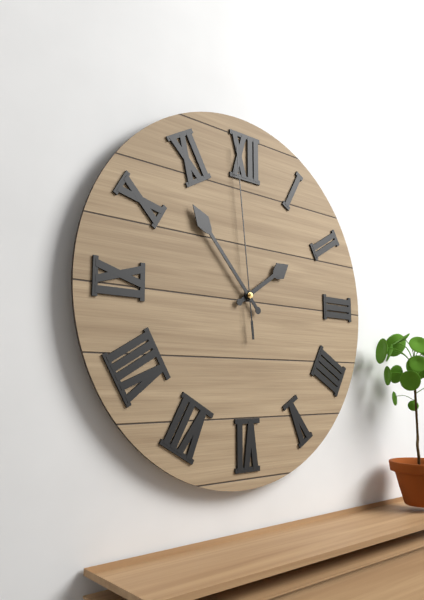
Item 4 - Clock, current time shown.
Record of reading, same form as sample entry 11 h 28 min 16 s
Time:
1 h 53 min 59 s
